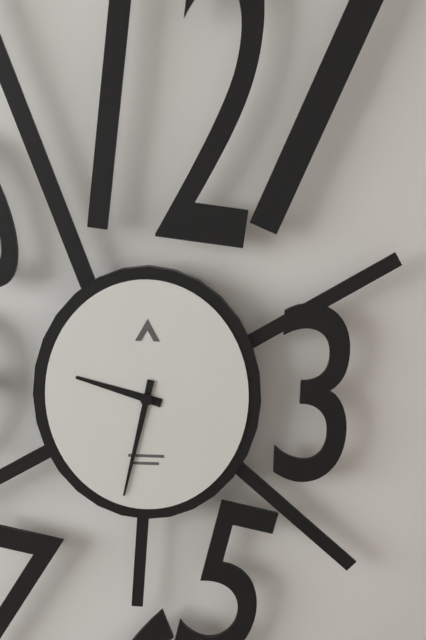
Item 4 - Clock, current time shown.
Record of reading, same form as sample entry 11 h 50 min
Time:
9 h 32 min
